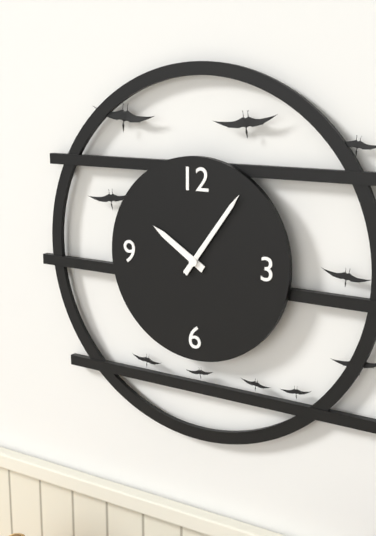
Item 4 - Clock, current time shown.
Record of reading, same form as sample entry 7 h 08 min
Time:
10 h 06 min
